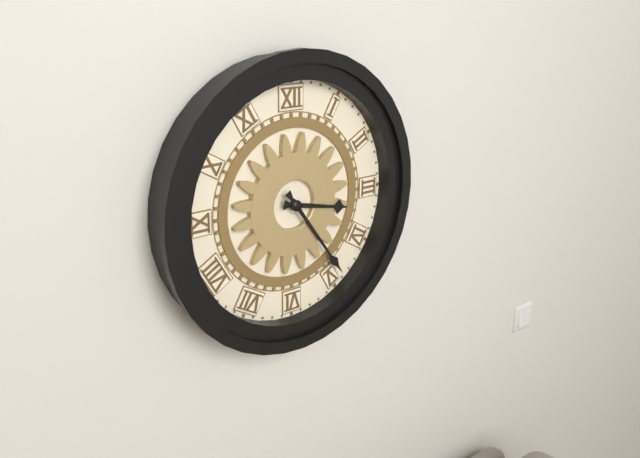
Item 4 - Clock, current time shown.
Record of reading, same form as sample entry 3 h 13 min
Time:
3 h 24 min
